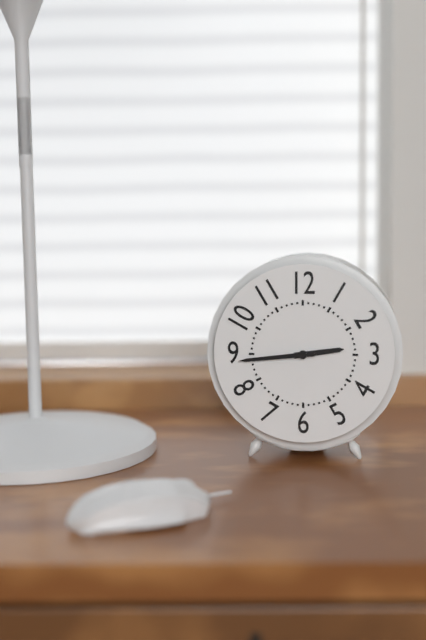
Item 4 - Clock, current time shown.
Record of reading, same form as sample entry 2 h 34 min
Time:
2 h 44 min
